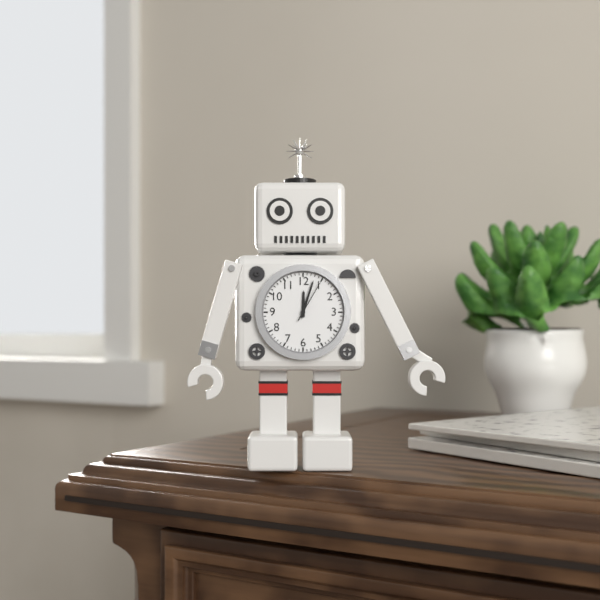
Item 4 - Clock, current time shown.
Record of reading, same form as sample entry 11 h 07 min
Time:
12 h 03 min
